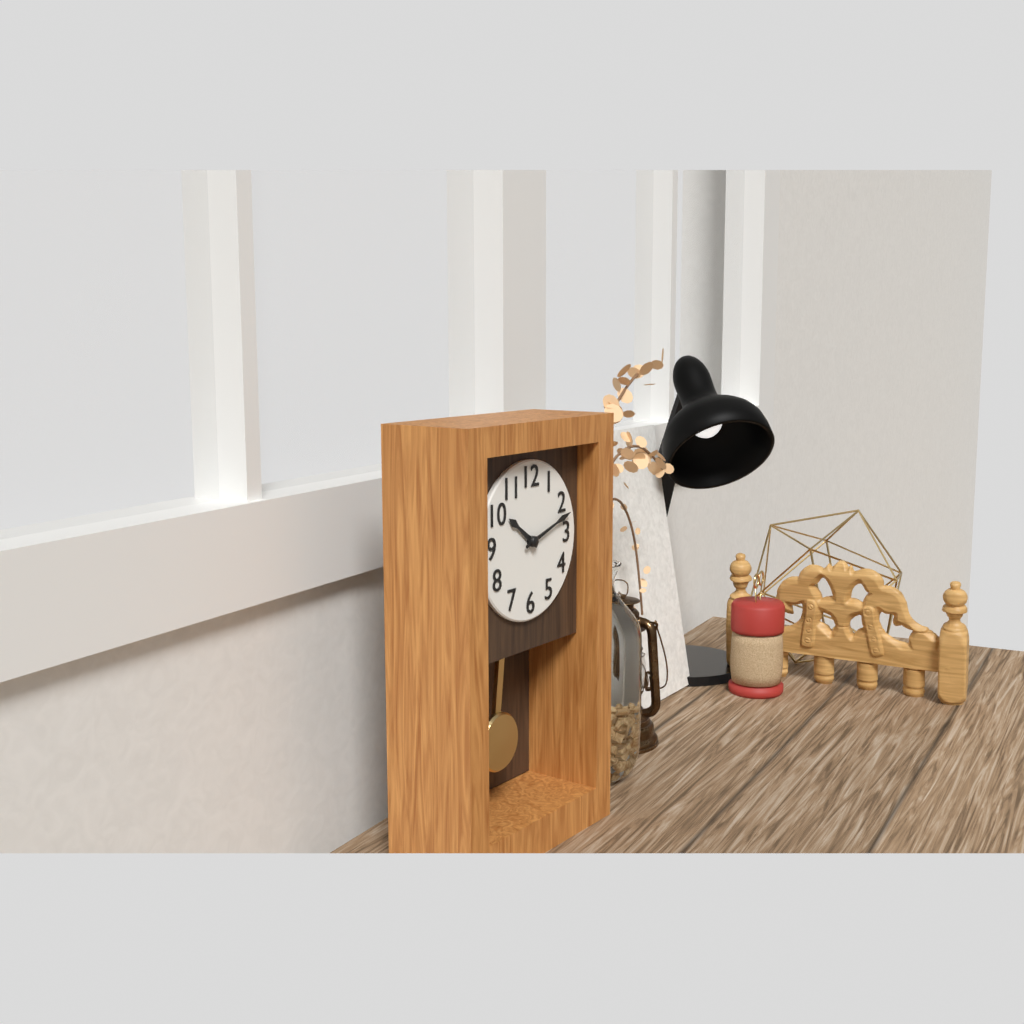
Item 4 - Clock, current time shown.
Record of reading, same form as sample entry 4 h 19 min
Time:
10 h 12 min
